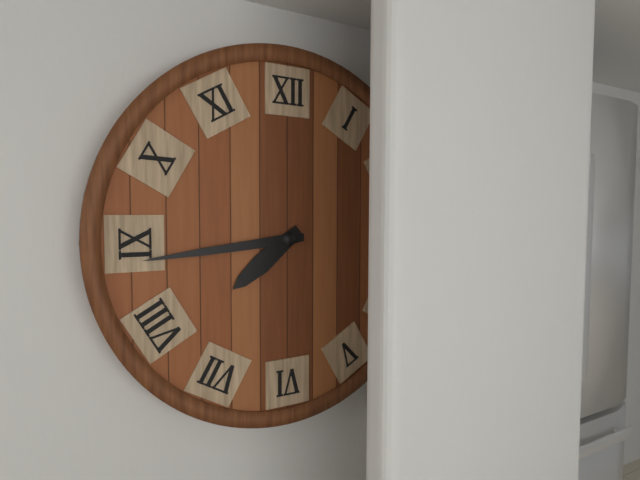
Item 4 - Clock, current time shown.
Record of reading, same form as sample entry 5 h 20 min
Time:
7 h 44 min
